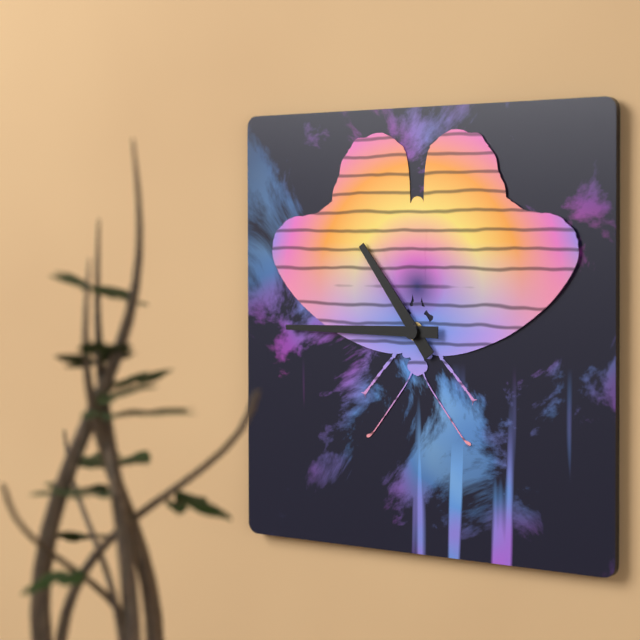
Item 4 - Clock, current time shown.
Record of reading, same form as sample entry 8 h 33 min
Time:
10 h 45 min
